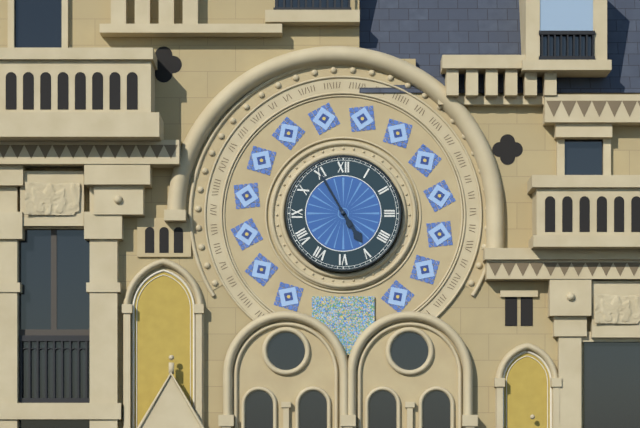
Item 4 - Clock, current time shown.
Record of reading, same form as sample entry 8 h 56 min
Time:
4 h 55 min
